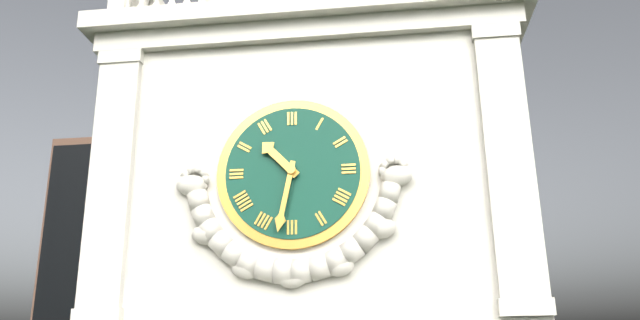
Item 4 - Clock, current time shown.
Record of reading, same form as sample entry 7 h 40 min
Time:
10 h 32 min
